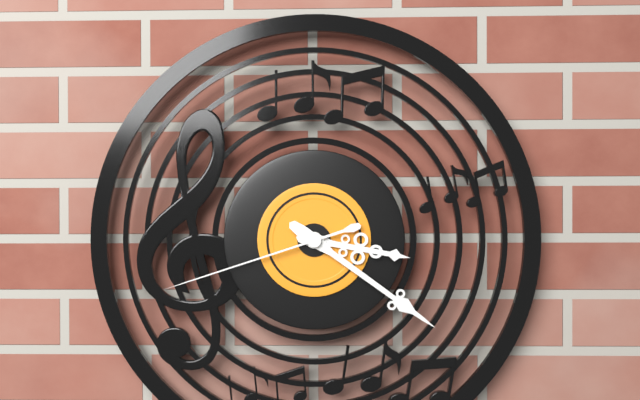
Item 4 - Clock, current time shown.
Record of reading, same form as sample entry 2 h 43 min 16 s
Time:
3 h 21 min 42 s
